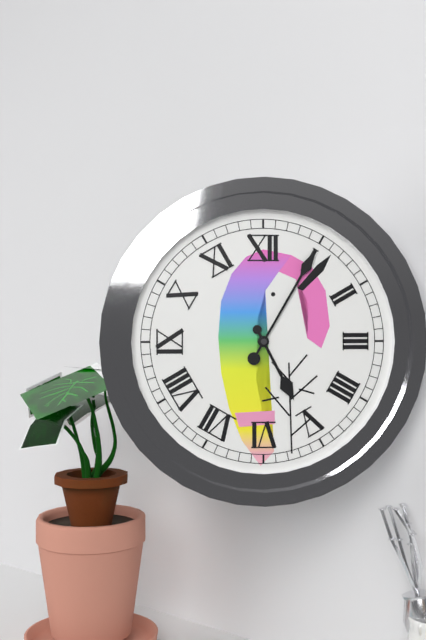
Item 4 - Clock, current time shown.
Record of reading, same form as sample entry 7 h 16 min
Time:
5 h 05 min
